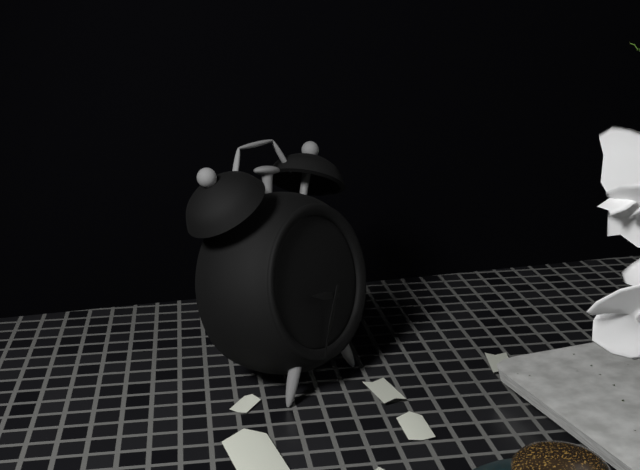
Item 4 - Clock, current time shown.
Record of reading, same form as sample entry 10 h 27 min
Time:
9 h 33 min
